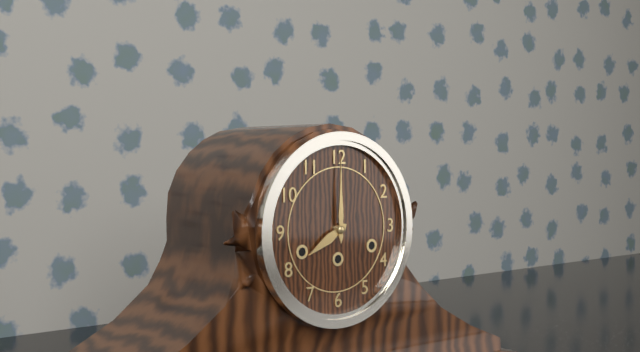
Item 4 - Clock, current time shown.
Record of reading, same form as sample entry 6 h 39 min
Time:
8 h 00 min
